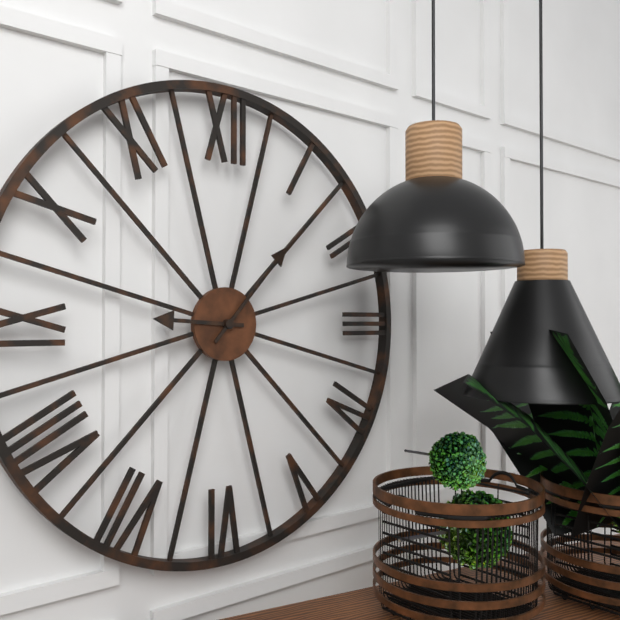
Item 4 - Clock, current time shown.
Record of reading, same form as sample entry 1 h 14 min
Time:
9 h 07 min
